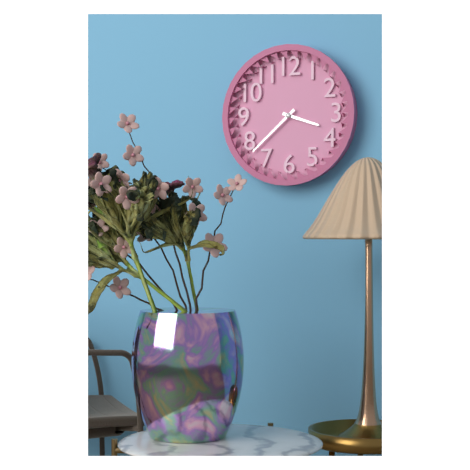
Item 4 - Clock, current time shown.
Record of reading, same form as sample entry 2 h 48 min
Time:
3 h 38 min
